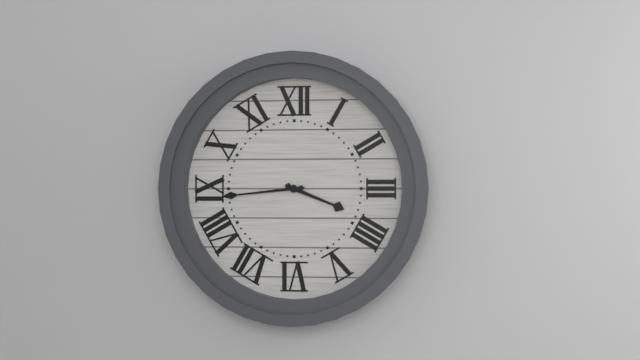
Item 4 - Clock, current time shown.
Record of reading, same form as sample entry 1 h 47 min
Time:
3 h 44 min
